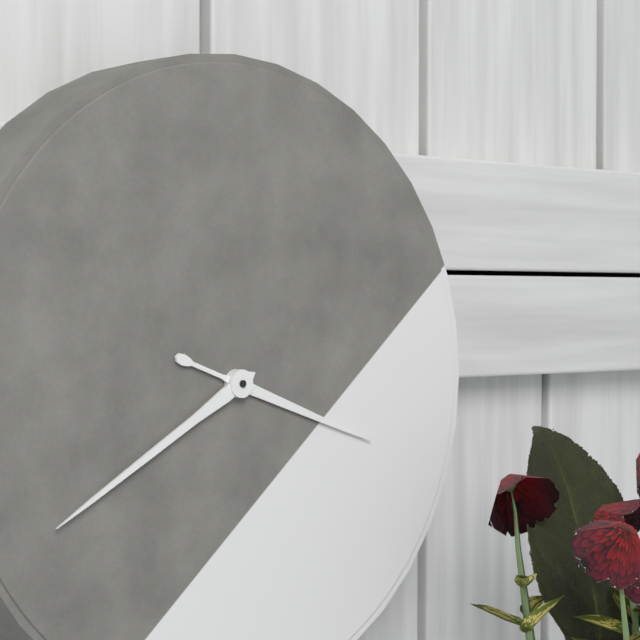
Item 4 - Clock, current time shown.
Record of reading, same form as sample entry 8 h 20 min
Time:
3 h 40 min
